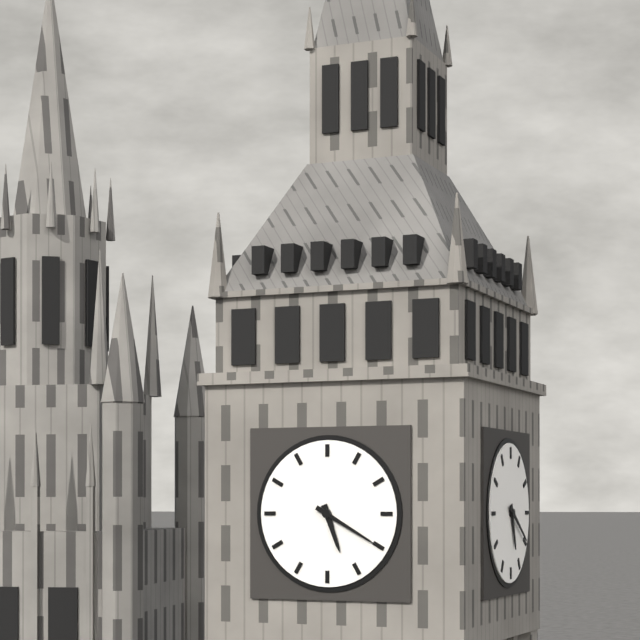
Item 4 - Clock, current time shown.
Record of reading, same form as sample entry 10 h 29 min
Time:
5 h 20 min
